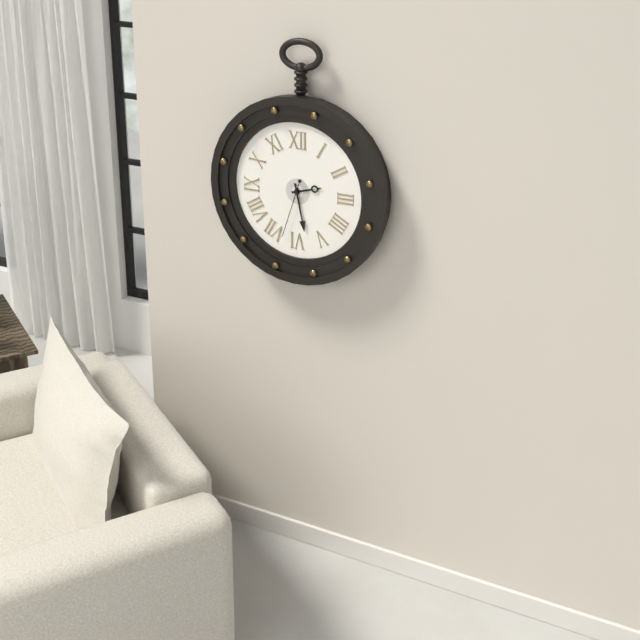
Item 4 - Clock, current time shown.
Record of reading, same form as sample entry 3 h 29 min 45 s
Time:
2 h 28 min 33 s
